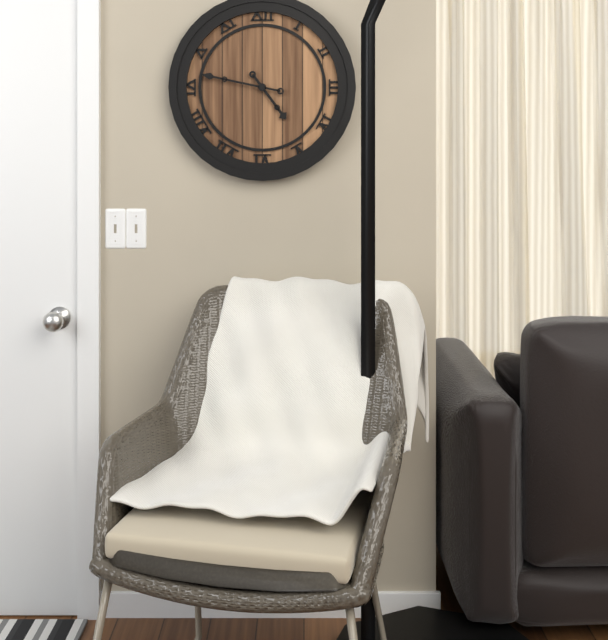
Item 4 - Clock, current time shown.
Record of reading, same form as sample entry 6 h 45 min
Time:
4 h 47 min
